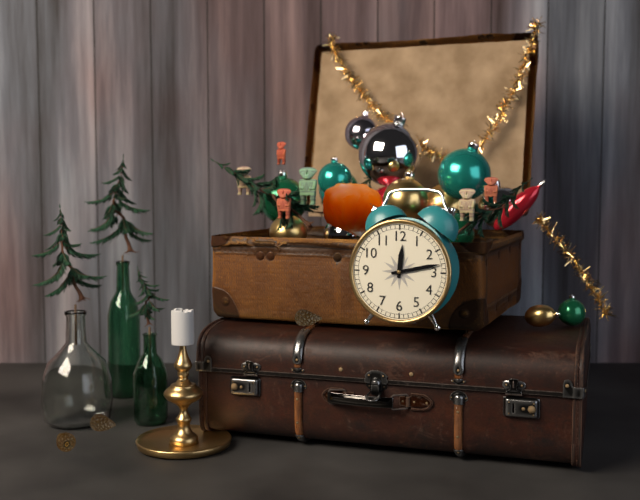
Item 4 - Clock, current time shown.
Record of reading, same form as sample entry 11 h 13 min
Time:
12 h 13 min
